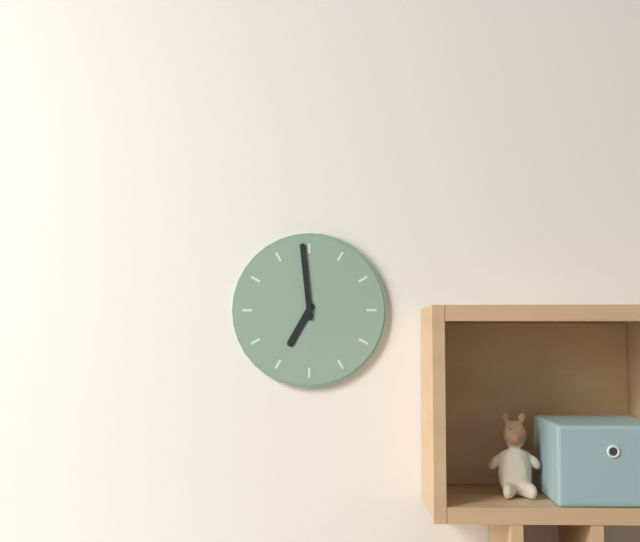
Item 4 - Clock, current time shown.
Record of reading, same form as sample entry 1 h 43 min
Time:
6 h 59 min
